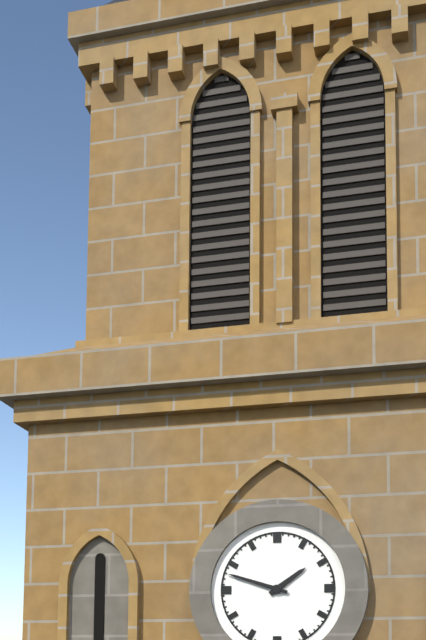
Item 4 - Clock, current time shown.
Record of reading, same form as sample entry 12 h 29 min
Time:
1 h 48 min
